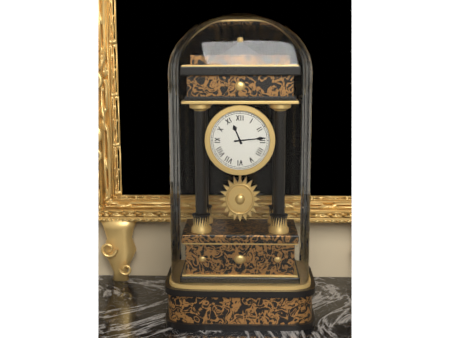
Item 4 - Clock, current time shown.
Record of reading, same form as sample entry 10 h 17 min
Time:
11 h 14 min
